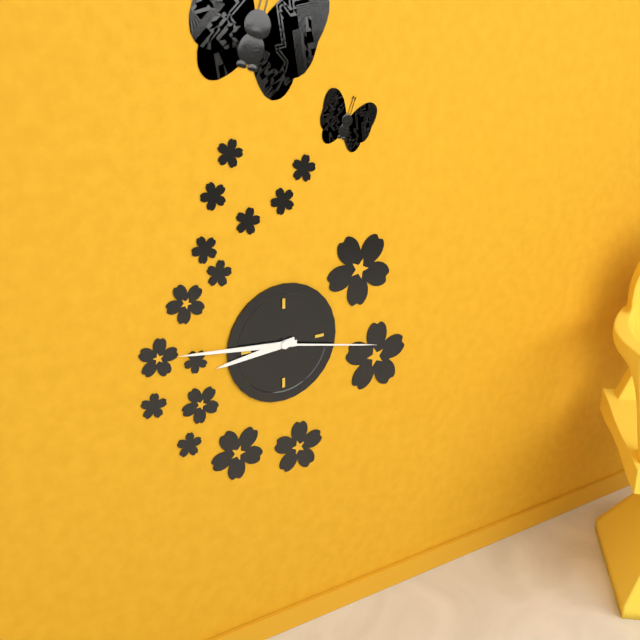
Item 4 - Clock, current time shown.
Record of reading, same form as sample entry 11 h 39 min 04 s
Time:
8 h 46 min 17 s
